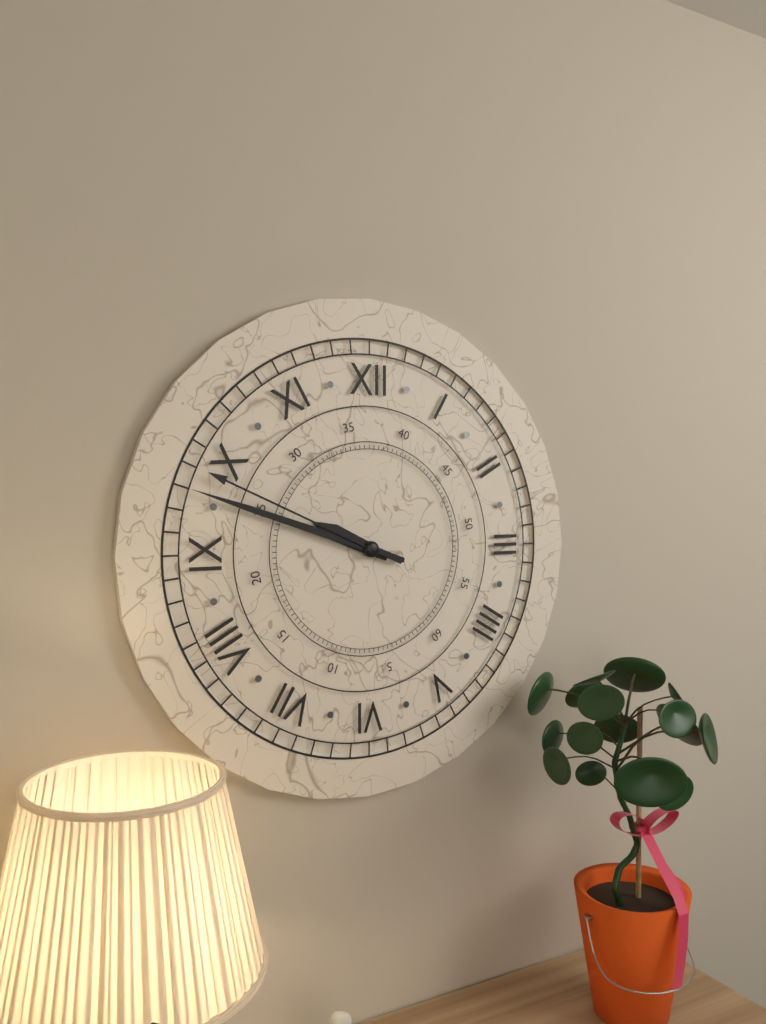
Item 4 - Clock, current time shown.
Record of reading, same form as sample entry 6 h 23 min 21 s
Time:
9 h 48 min 49 s
